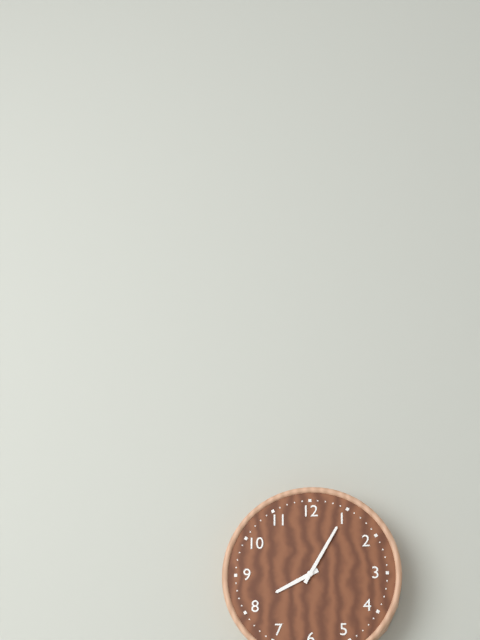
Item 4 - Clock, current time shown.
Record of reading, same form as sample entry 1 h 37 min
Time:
8 h 05 min
